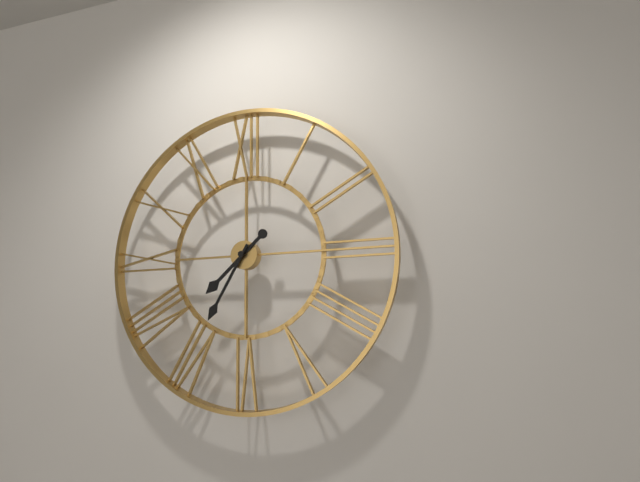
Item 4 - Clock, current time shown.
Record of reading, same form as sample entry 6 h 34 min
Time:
7 h 35 min
